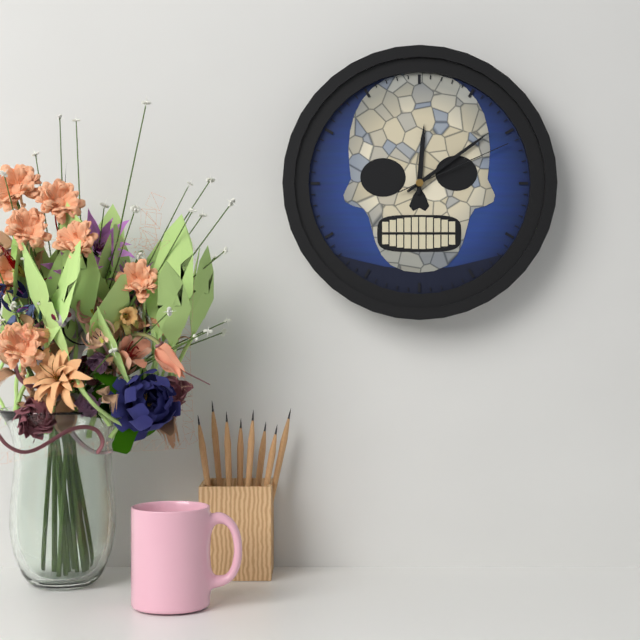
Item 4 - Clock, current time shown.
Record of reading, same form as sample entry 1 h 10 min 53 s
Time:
12 h 09 min 11 s
